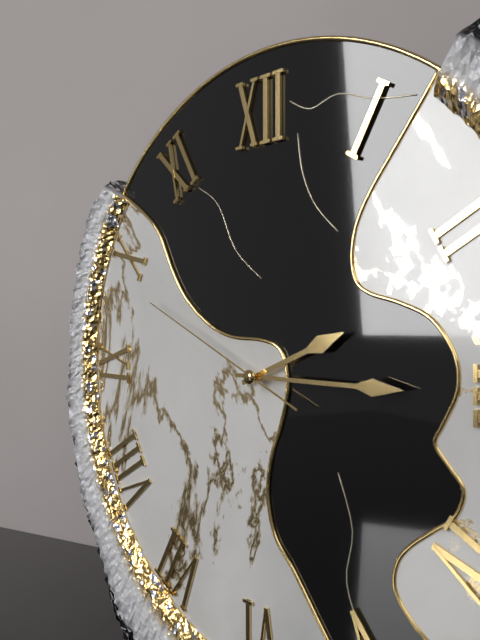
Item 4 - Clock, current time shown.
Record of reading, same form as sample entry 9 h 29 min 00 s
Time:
2 h 15 min 49 s
